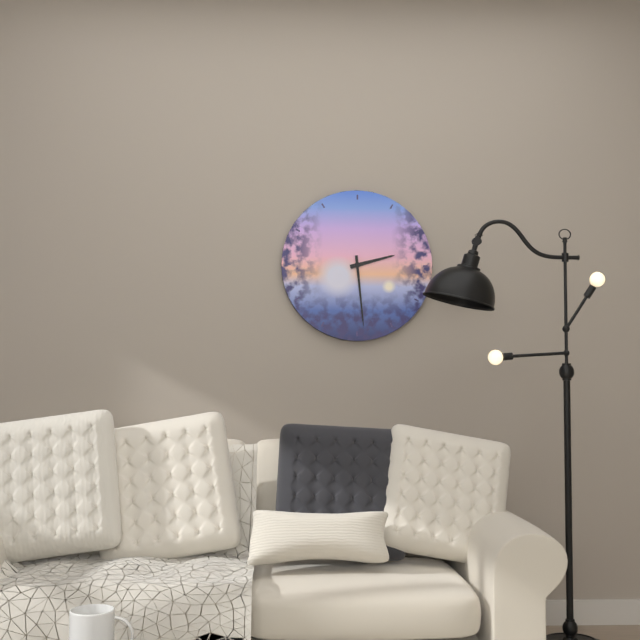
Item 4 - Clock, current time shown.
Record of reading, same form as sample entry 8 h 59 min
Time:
2 h 29 min
